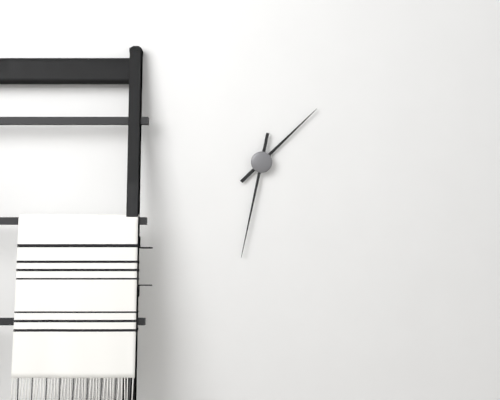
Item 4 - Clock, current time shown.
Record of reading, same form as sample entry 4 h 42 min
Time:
1 h 32 min
